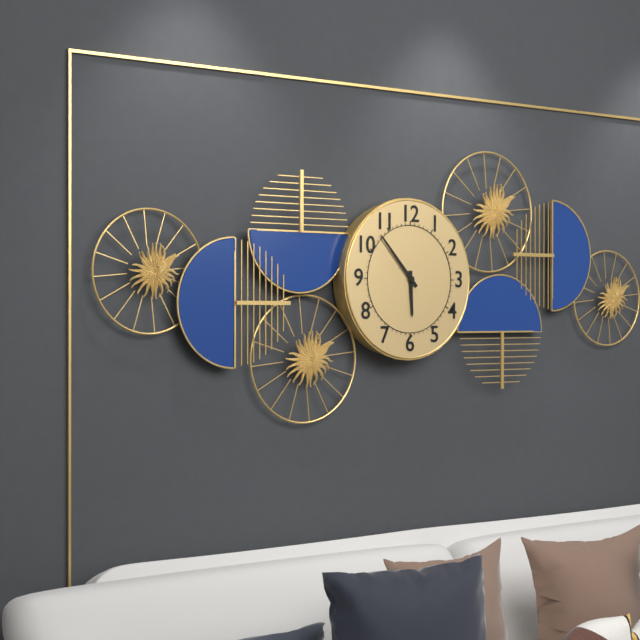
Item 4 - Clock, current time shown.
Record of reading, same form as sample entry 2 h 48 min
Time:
5 h 53 min
